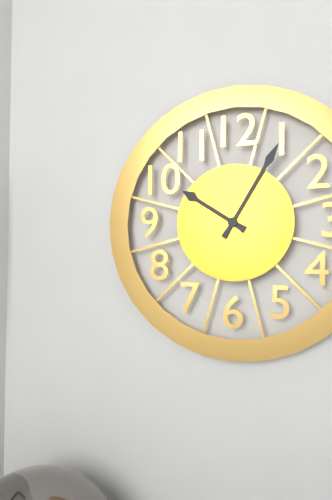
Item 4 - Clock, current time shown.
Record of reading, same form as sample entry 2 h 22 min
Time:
10 h 05 min
